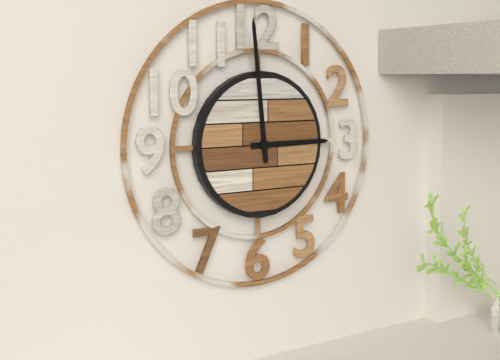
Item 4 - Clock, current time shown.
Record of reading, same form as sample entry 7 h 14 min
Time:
2 h 59 min
